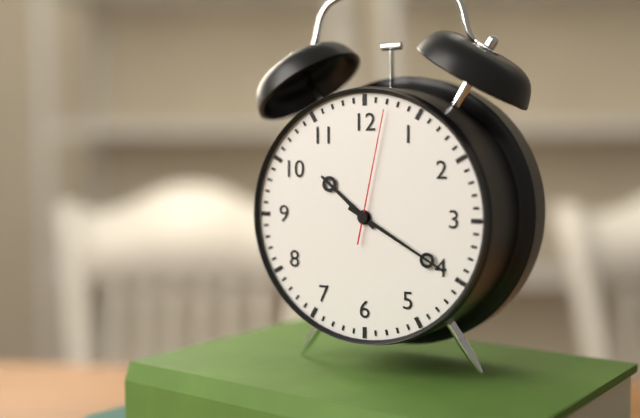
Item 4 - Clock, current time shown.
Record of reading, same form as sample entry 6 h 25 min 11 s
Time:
10 h 20 min 02 s
